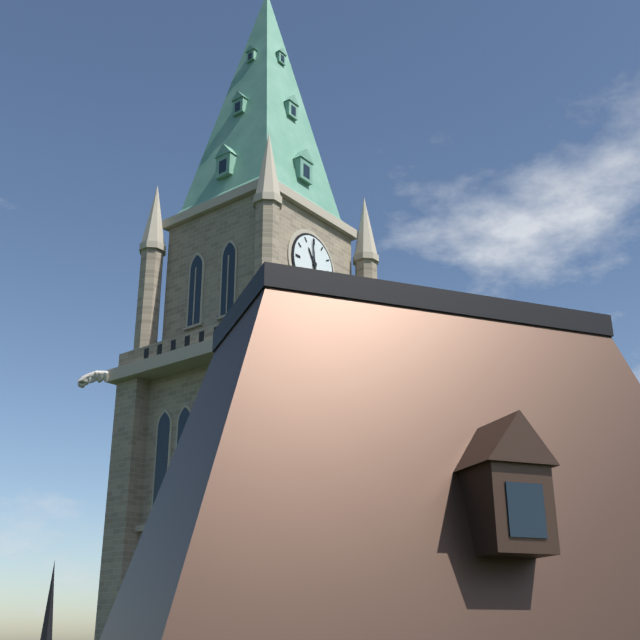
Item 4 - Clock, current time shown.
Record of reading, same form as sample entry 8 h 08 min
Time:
10 h 59 min
